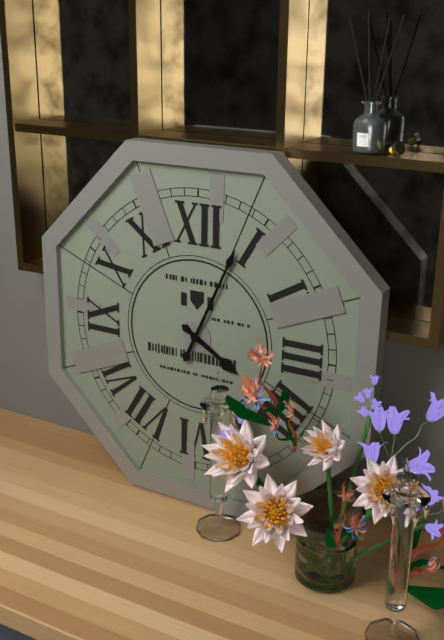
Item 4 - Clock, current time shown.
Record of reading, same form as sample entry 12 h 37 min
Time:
4 h 04 min
